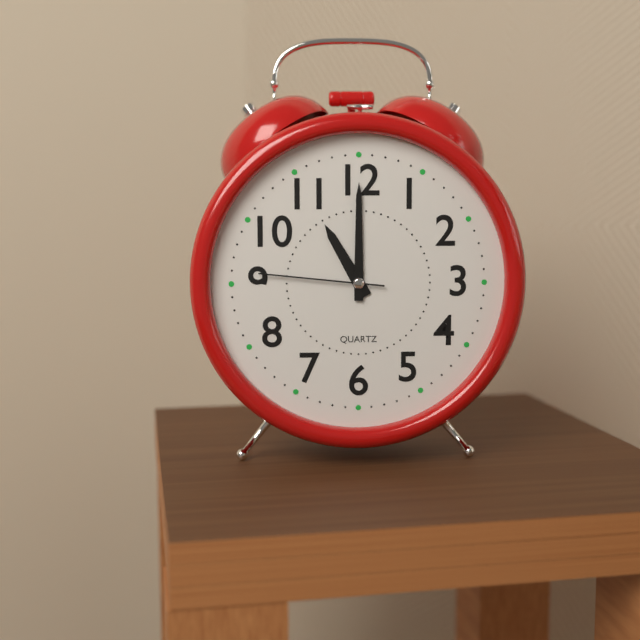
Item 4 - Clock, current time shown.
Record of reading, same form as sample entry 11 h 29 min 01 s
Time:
11 h 00 min 46 s
